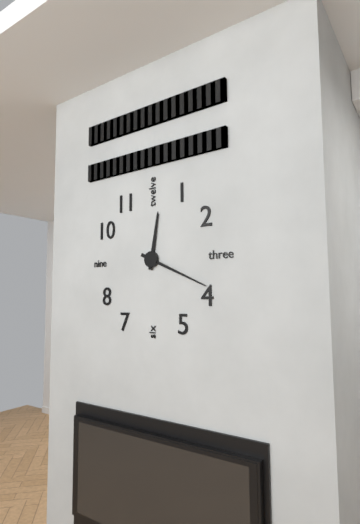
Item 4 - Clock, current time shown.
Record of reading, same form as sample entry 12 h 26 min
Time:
12 h 19 min
